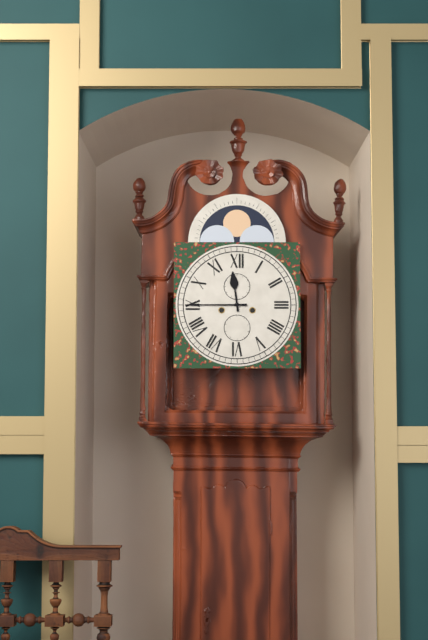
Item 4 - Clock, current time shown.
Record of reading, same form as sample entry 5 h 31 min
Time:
11 h 45 min
